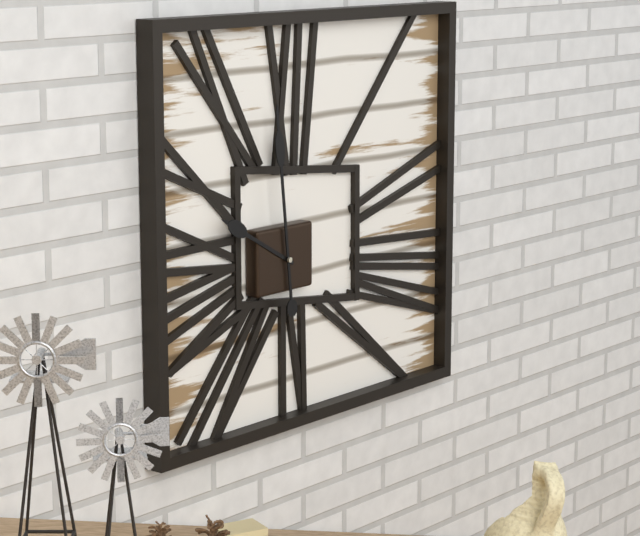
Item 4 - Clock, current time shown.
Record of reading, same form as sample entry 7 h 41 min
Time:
9 h 59 min
